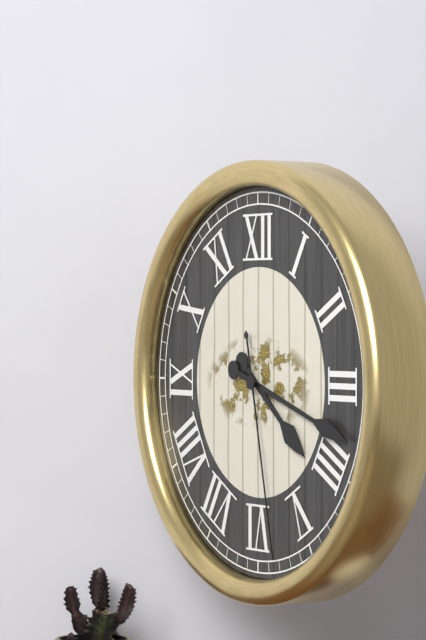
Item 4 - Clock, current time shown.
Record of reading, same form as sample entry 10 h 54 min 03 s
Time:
4 h 18 min 28 s
